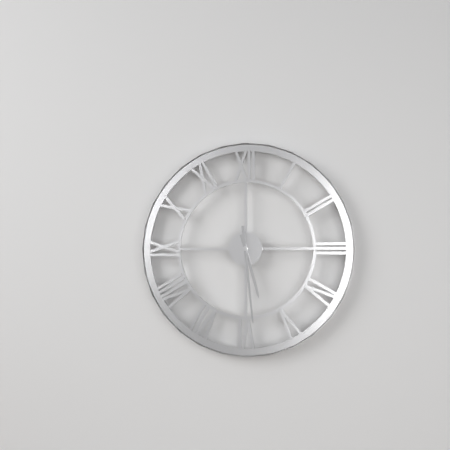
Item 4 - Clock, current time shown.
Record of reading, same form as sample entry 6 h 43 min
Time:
5 h 29 min
